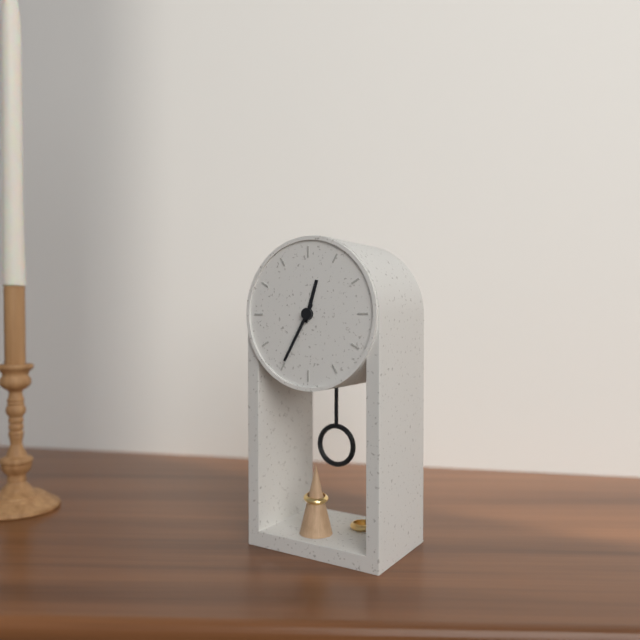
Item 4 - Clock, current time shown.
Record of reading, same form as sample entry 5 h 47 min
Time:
12 h 35 min
